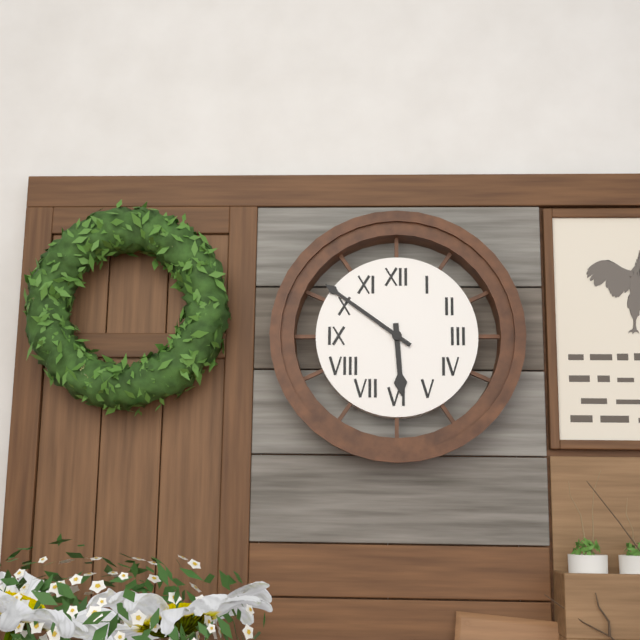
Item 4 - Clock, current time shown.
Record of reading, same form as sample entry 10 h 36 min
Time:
5 h 51 min
